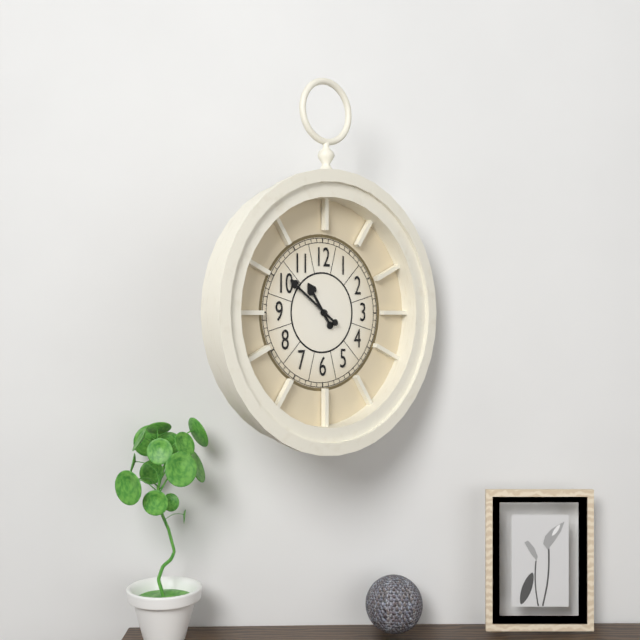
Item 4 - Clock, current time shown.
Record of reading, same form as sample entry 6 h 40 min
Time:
10 h 51 min
